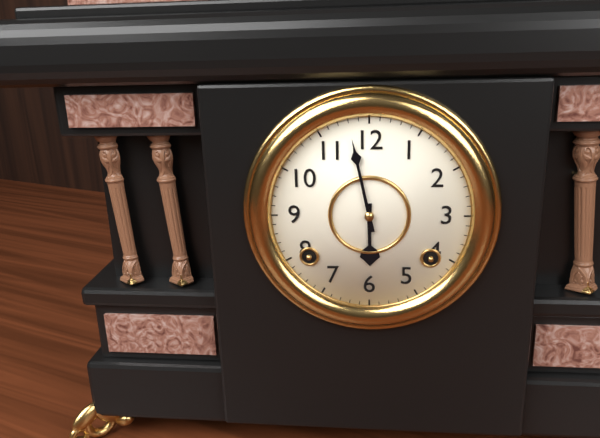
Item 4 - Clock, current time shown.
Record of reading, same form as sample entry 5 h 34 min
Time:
5 h 58 min
